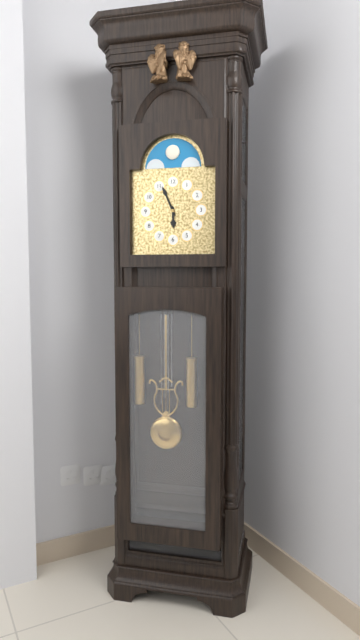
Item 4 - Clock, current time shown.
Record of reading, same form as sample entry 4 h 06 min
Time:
5 h 56 min
